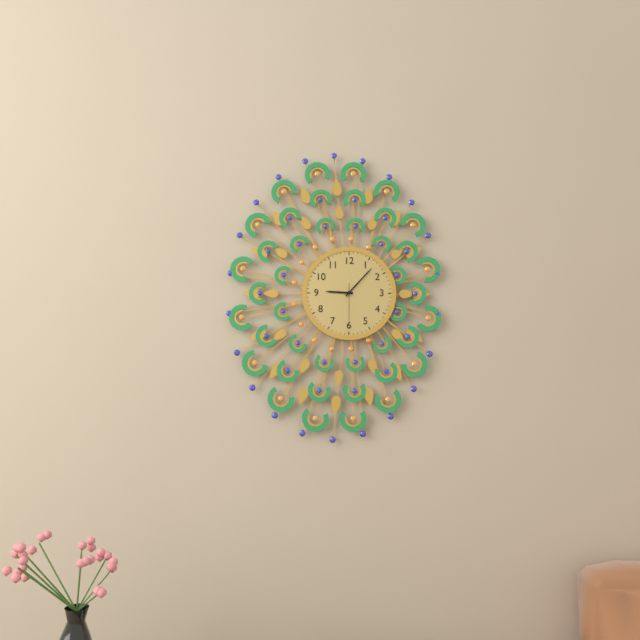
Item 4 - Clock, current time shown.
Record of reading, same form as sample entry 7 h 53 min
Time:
9 h 07 min
